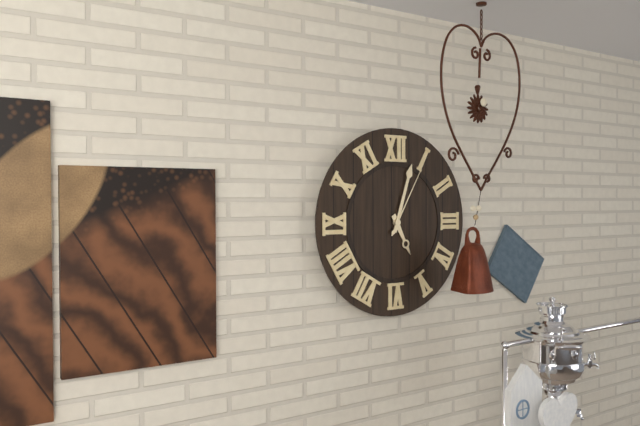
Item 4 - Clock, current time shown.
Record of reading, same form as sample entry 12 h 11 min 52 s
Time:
5 h 03 min 05 s
